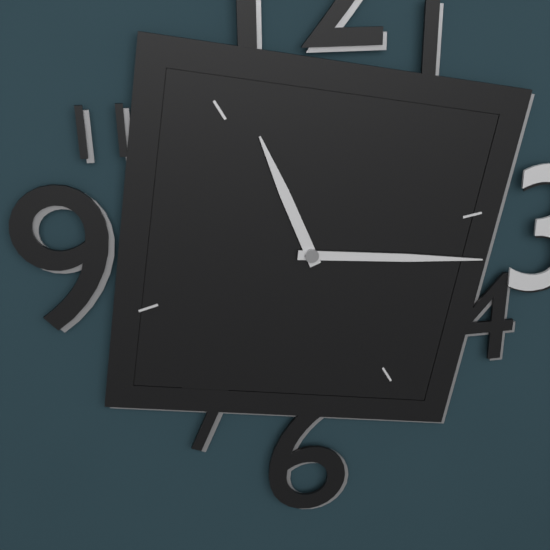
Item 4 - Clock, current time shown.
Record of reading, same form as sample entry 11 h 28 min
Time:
11 h 16 min
